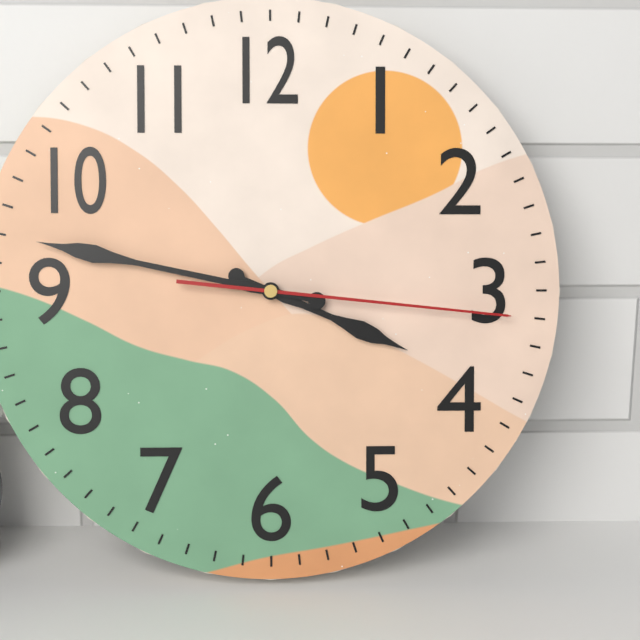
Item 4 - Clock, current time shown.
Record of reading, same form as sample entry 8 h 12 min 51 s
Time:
3 h 47 min 16 s
